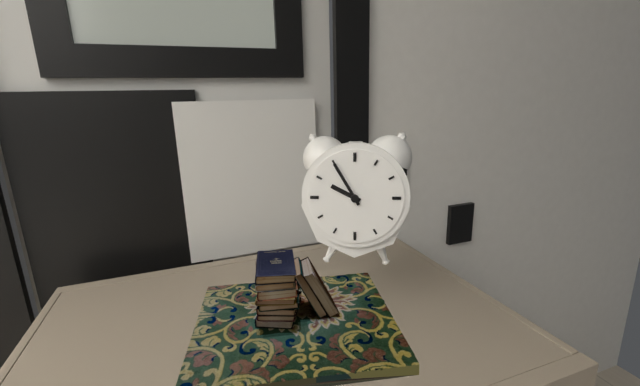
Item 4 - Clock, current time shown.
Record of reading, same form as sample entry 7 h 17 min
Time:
9 h 55 min
